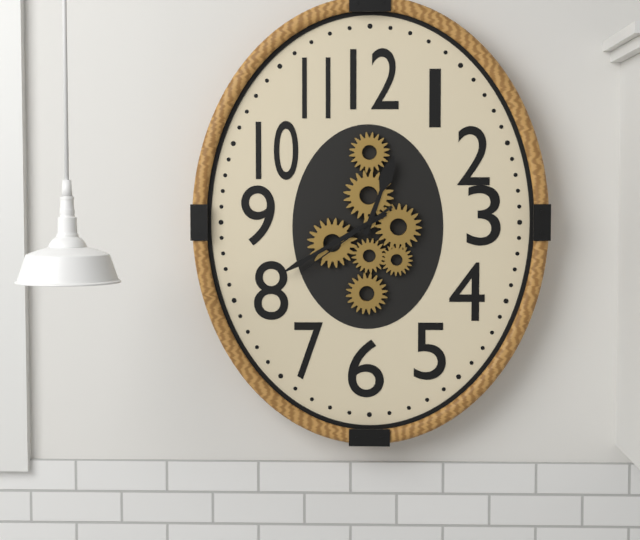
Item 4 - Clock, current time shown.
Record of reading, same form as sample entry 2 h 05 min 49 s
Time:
12 h 40 min 39 s
